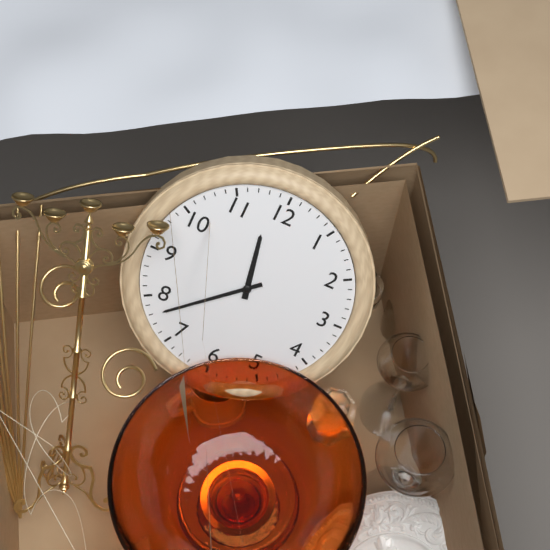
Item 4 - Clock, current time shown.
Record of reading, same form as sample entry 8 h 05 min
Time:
11 h 38 min
